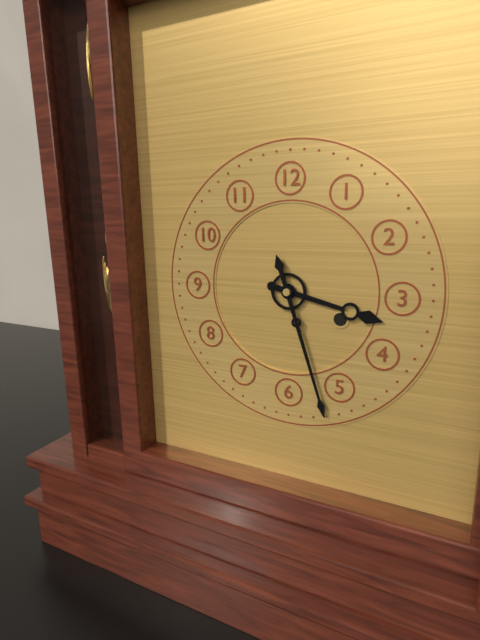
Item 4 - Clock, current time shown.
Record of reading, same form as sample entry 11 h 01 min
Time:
3 h 27 min
